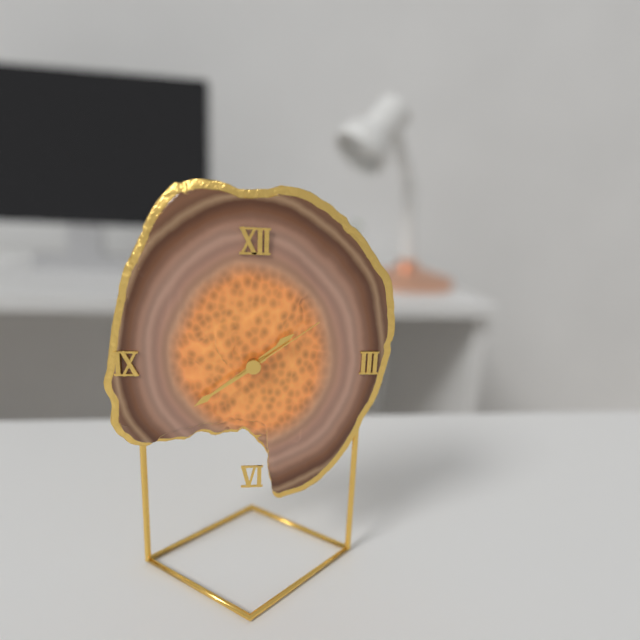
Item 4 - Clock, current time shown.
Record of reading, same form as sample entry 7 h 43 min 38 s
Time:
1 h 39 min 09 s
